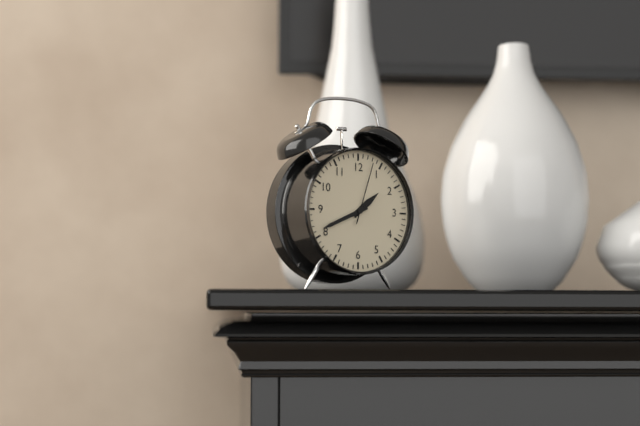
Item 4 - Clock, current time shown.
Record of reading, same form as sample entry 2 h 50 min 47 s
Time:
1 h 41 min 03 s
